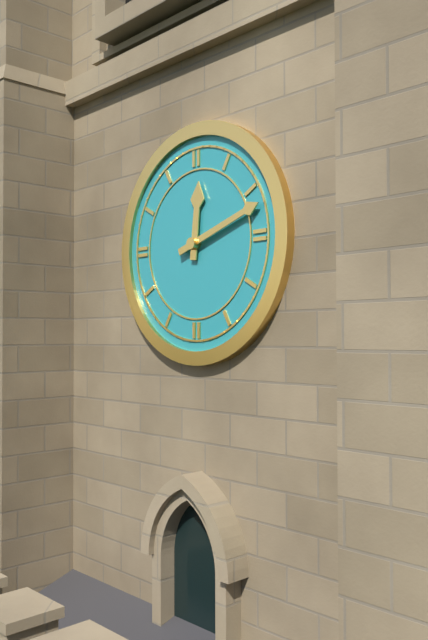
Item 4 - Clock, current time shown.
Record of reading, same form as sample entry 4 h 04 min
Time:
12 h 12 min
